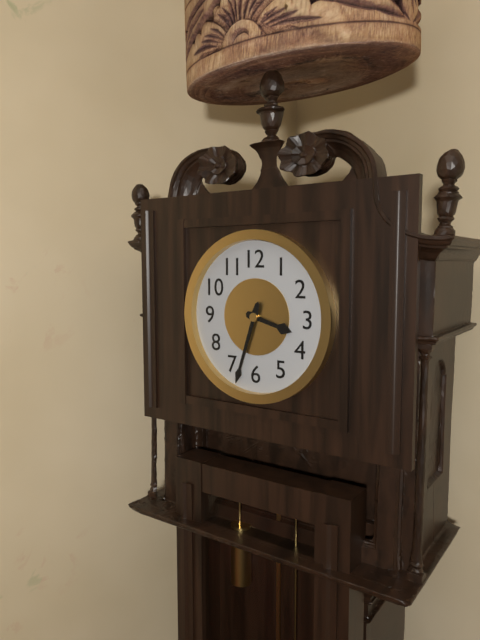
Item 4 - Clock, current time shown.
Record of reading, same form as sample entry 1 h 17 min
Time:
3 h 33 min
